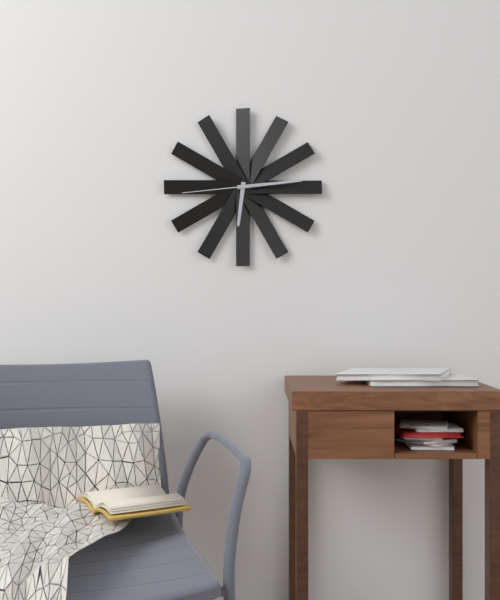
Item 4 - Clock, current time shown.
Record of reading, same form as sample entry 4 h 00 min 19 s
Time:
6 h 14 min 44 s
